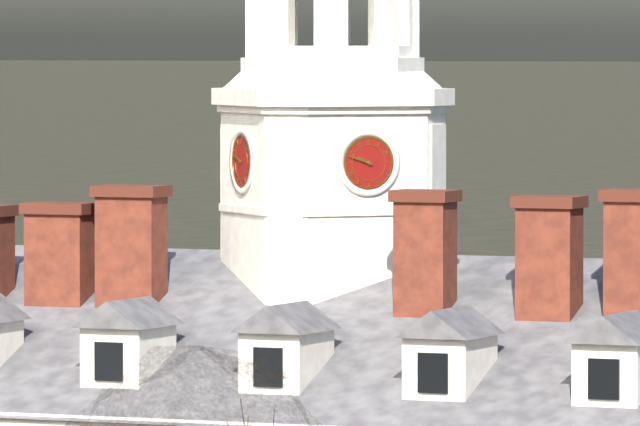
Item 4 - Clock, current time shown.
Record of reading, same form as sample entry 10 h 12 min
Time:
9 h 48 min
